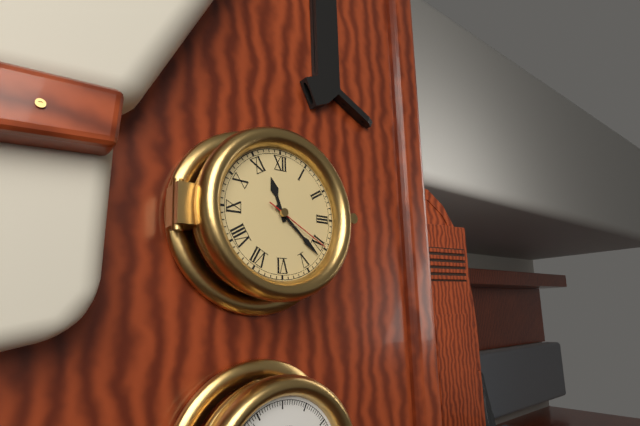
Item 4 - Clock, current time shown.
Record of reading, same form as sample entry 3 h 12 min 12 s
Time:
11 h 22 min 20 s
